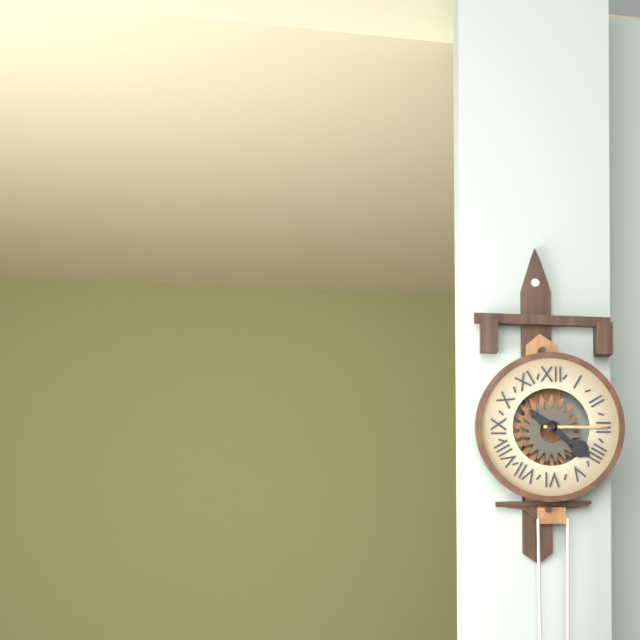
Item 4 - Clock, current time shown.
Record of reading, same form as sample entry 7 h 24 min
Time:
4 h 15 min
